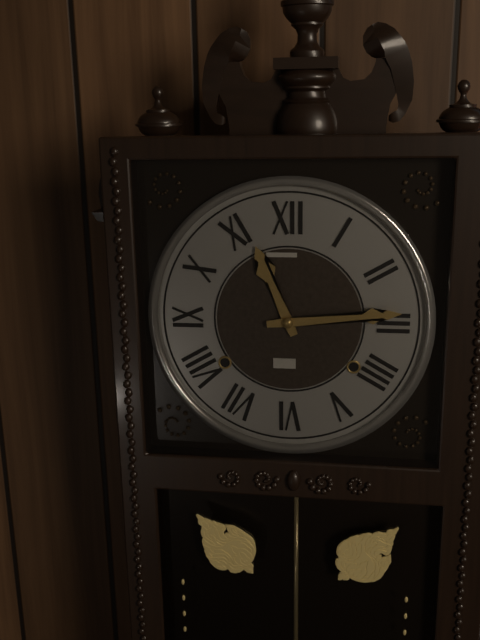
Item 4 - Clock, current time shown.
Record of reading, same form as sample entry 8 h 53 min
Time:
11 h 14 min
